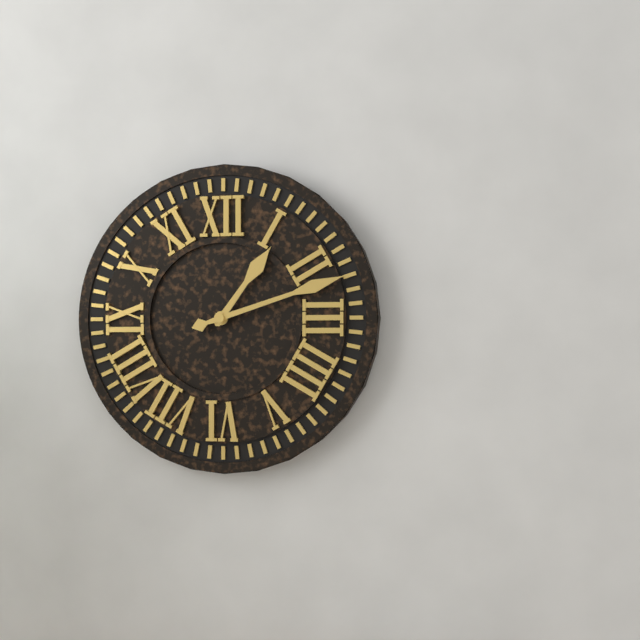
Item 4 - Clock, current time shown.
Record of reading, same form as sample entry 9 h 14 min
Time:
1 h 12 min
